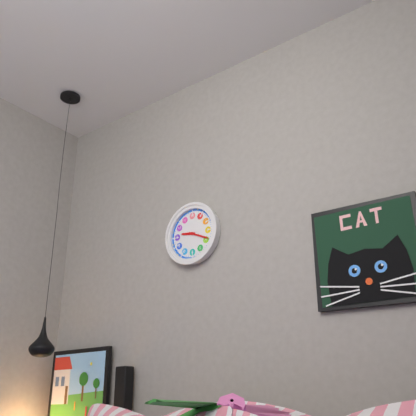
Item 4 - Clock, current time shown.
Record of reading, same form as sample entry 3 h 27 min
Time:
9 h 19 min
